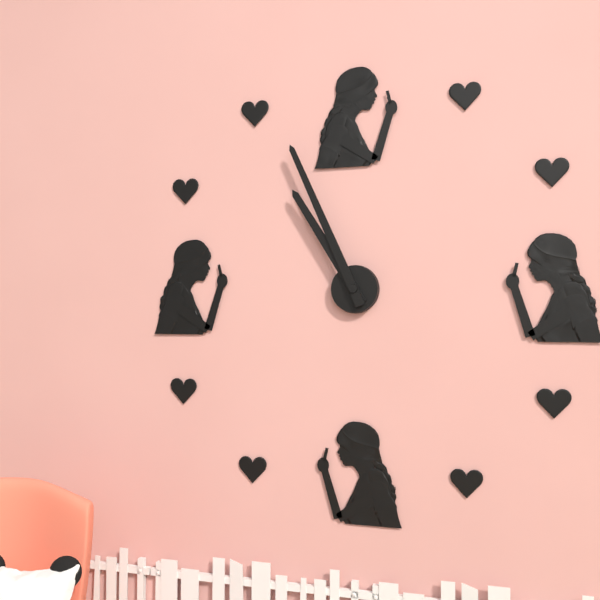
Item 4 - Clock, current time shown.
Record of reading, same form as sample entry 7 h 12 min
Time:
10 h 56 min
